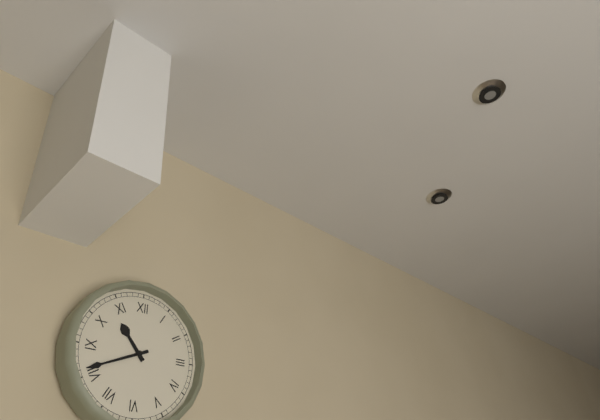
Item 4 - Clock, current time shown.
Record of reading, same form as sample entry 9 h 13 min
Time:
10 h 41 min
